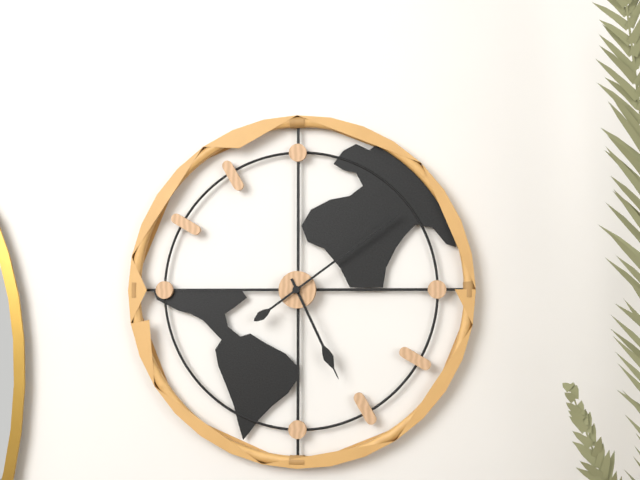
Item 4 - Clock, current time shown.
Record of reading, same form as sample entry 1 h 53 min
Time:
5 h 09 min
